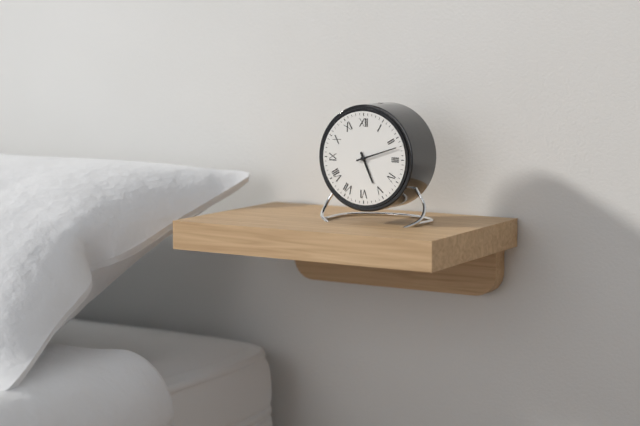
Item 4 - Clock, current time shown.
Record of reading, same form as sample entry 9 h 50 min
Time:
5 h 12 min
